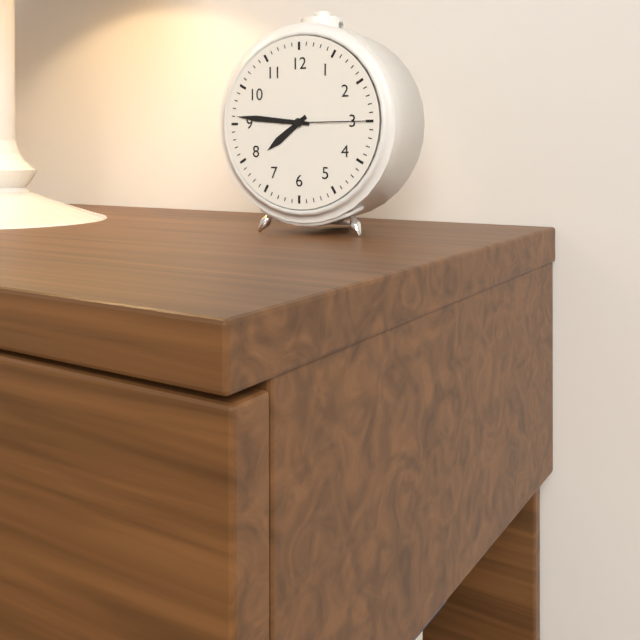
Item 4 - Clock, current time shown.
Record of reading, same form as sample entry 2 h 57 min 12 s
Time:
7 h 46 min 15 s
